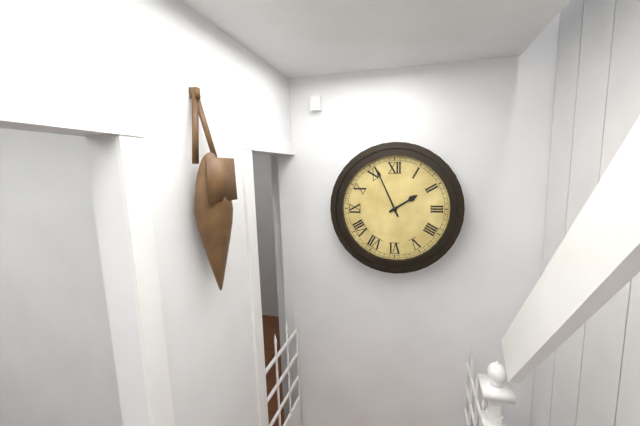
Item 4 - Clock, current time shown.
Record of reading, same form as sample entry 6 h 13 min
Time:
1 h 56 min
